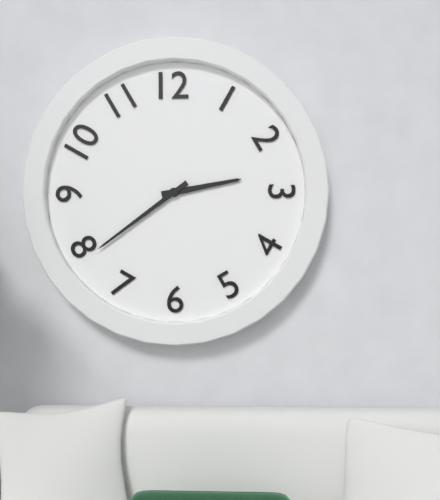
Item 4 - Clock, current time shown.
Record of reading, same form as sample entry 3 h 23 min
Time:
2 h 39 min
